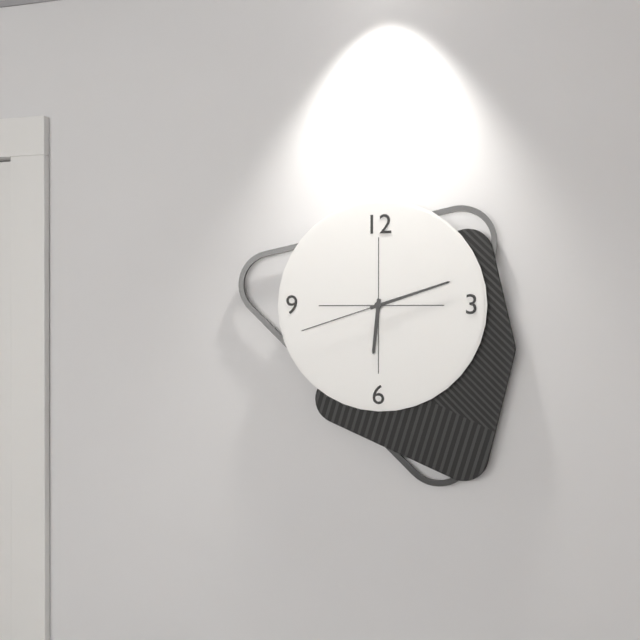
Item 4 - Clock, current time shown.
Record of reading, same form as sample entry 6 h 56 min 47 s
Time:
6 h 12 min 42 s
